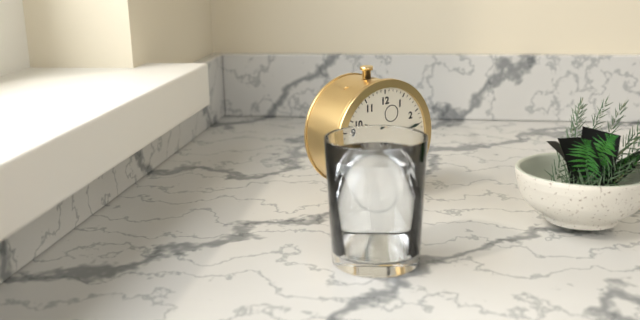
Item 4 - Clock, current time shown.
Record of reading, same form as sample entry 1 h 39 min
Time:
10 h 13 min
